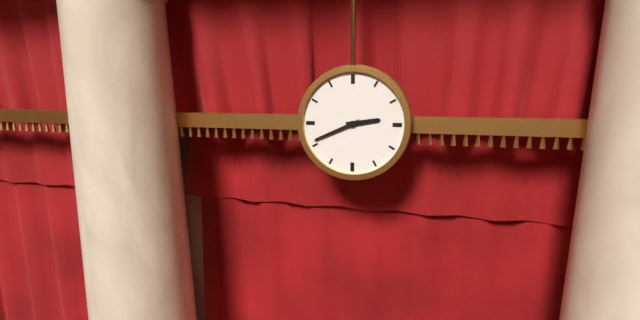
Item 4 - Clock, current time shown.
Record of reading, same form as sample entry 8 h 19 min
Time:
2 h 41 min
